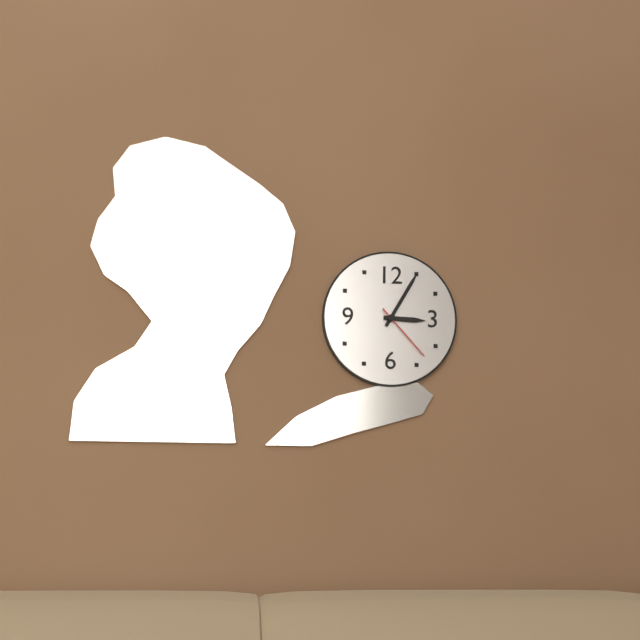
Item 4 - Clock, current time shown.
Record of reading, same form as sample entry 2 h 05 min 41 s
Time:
3 h 05 min 23 s
